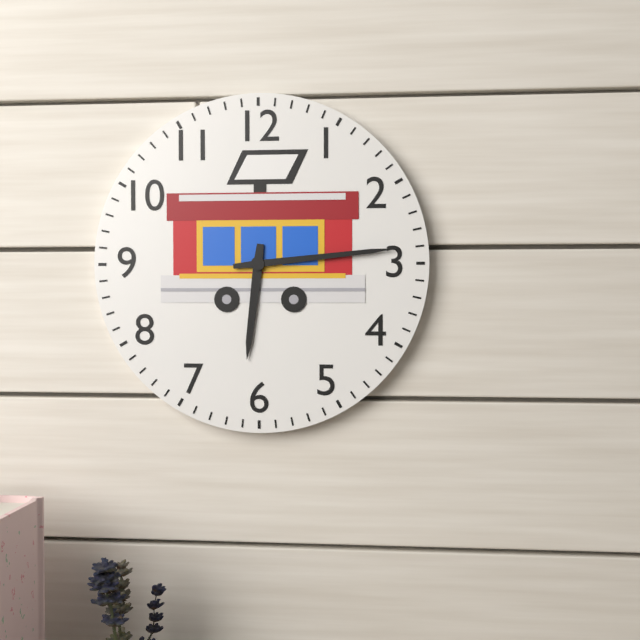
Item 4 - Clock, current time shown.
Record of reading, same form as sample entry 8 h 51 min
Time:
6 h 14 min
